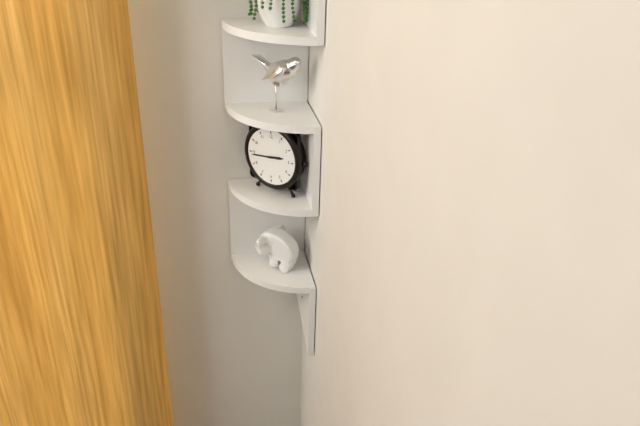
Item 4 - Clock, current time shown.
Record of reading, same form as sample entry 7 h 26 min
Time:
2 h 44 min
